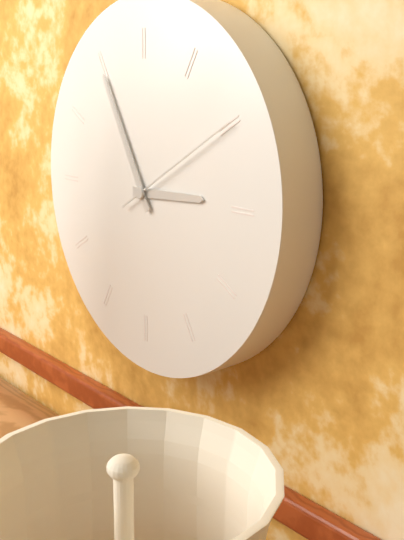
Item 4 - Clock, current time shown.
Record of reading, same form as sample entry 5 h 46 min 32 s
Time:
2 h 55 min 10 s
